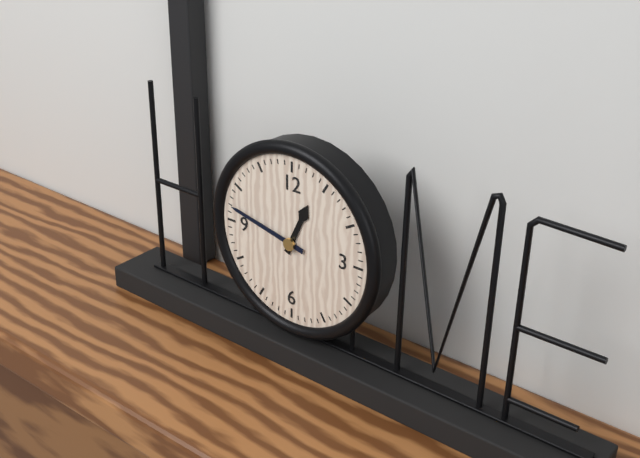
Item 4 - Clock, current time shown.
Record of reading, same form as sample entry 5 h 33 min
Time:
12 h 47 min
